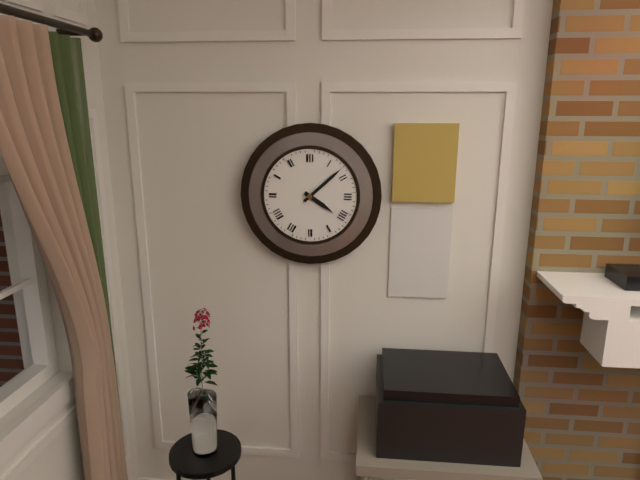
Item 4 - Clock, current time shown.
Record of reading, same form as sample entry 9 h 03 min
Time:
4 h 08 min
